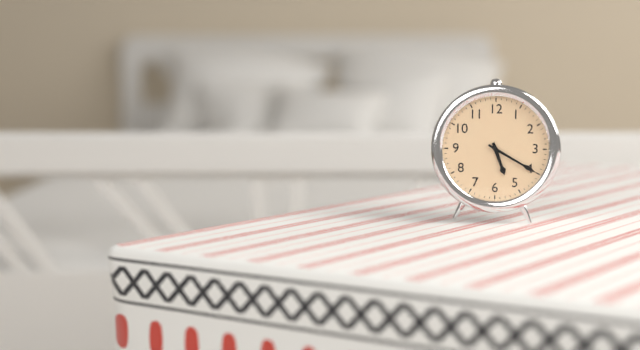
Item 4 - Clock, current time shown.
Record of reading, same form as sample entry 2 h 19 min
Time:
5 h 20 min
